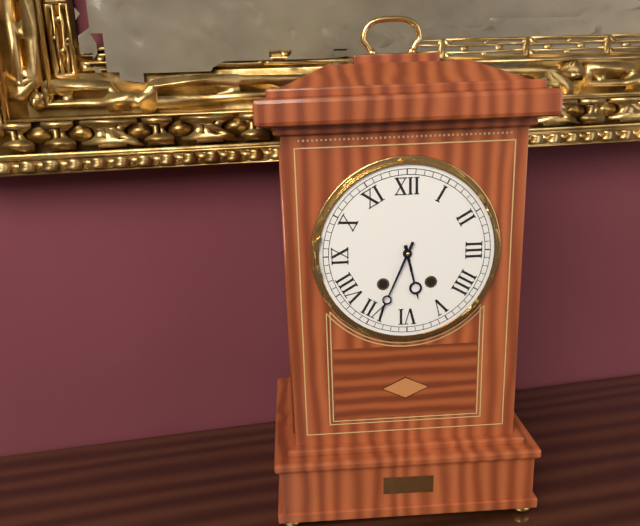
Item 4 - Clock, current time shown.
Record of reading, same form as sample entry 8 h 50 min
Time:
5 h 34 min
